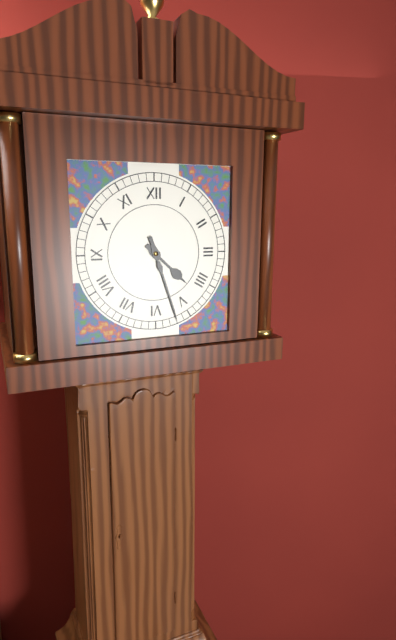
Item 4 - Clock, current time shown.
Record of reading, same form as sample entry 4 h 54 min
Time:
4 h 27 min
